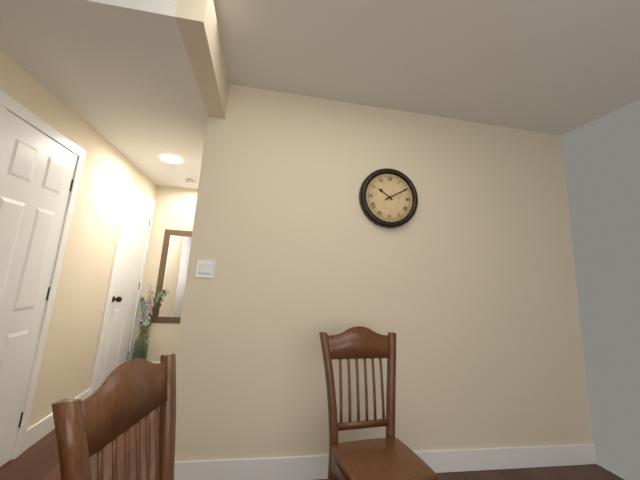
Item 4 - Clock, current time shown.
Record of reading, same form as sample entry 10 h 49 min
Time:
10 h 10 min
